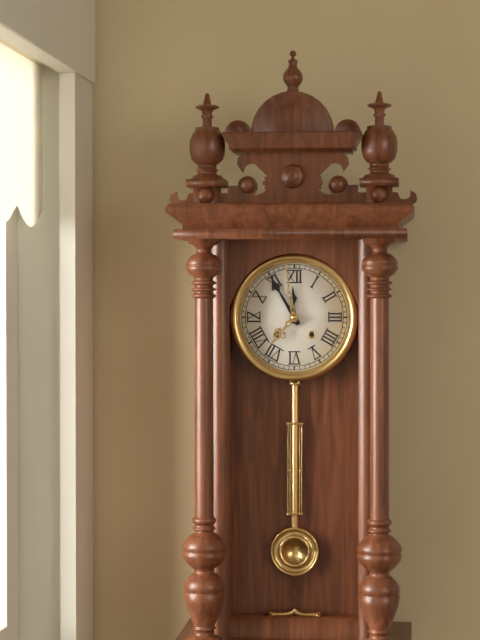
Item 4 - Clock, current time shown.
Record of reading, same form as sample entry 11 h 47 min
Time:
11 h 55 min
